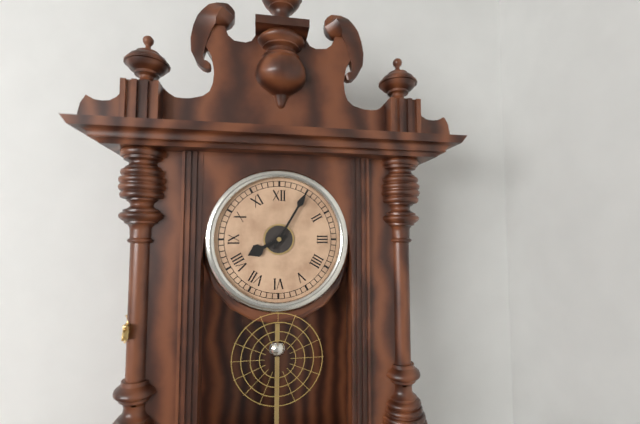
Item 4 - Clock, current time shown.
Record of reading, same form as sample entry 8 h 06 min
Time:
8 h 05 min
